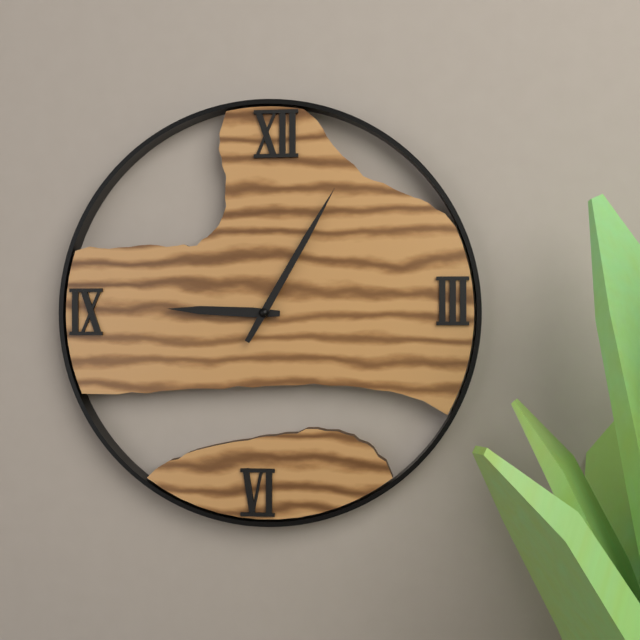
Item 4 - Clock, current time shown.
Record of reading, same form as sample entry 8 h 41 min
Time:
9 h 05 min
